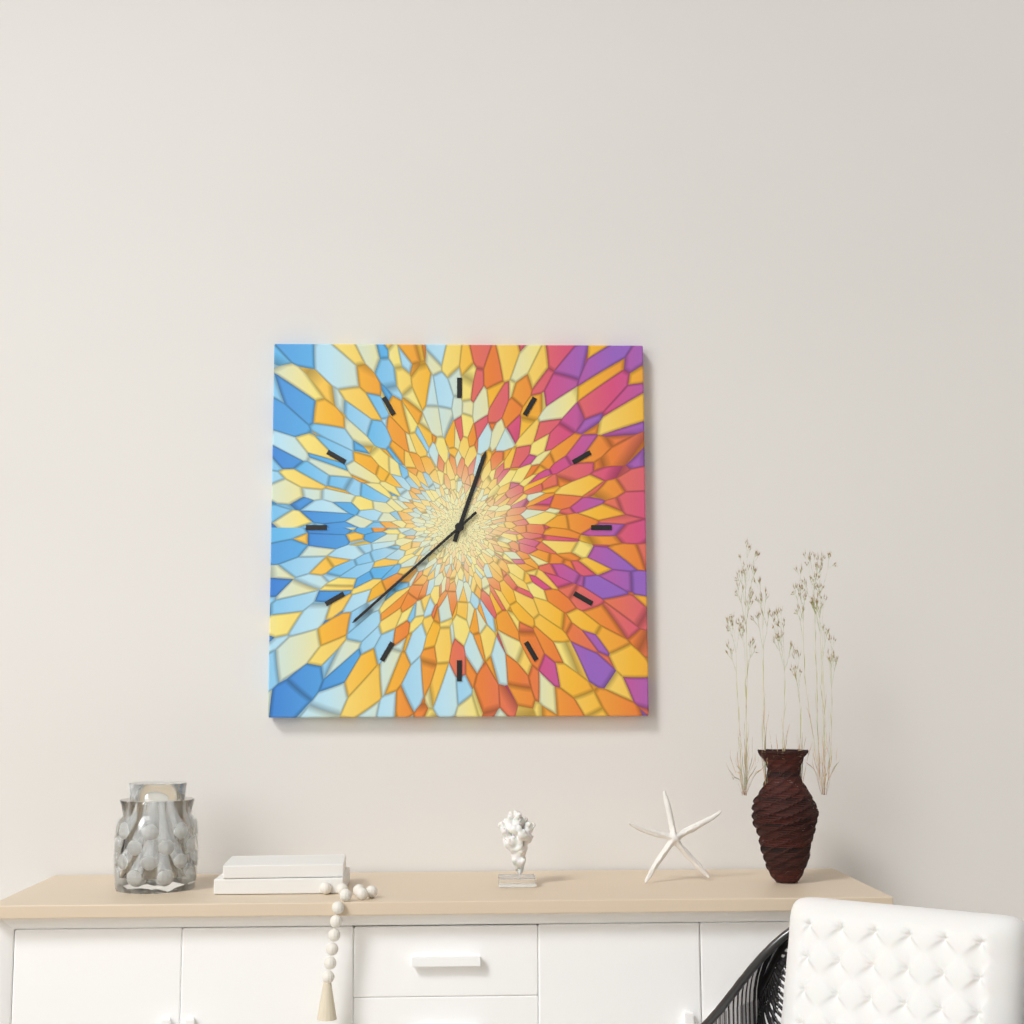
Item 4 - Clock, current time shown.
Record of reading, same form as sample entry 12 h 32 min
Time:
12 h 38 min
